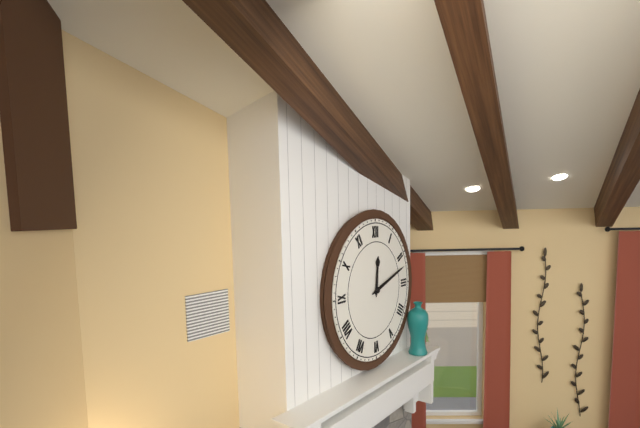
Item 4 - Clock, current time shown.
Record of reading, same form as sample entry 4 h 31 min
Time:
12 h 12 min
